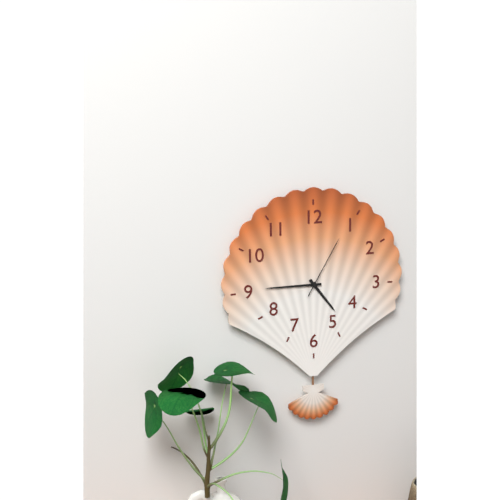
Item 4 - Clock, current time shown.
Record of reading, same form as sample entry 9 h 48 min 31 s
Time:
4 h 45 min 05 s
